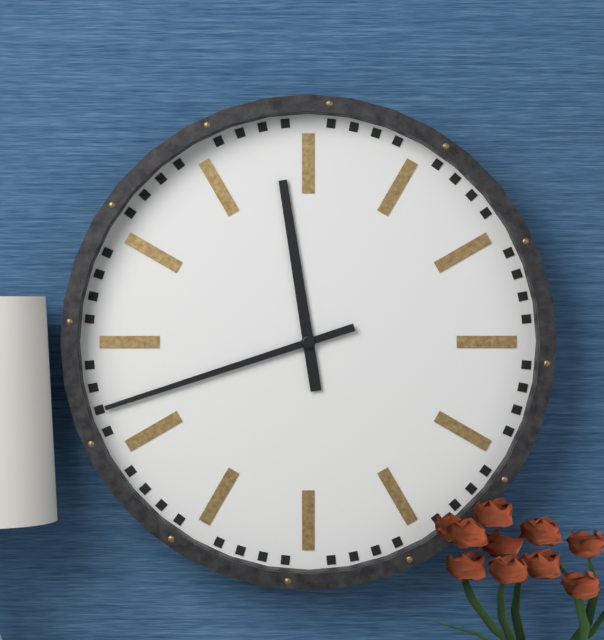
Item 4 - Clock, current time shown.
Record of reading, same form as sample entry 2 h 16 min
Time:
11 h 42 min
